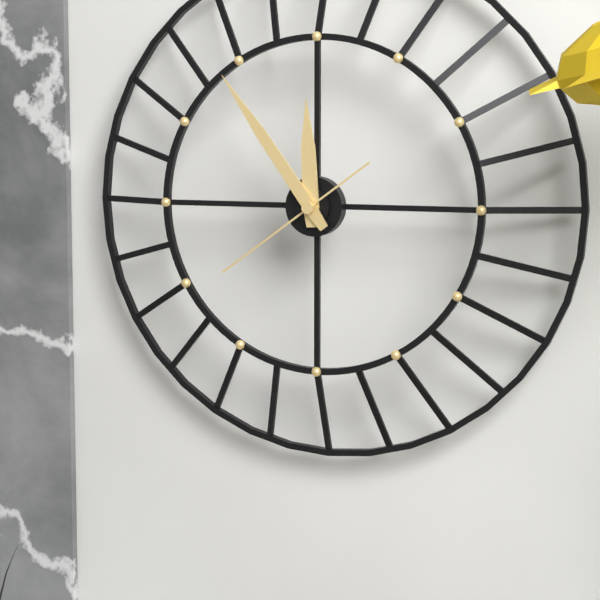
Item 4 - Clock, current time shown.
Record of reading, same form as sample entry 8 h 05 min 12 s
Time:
11 h 54 min 39 s
